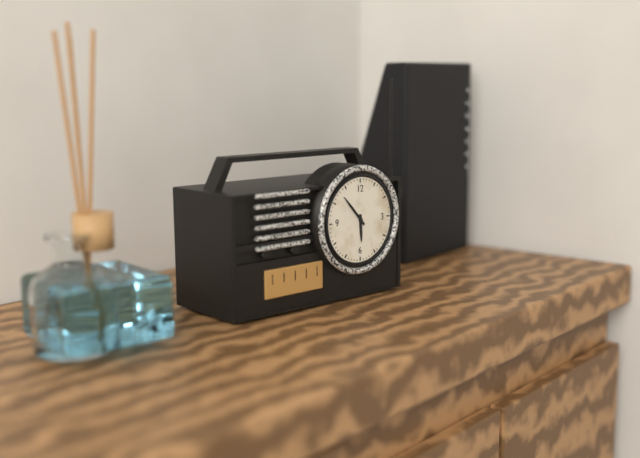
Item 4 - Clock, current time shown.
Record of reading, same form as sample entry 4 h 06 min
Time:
5 h 53 min
